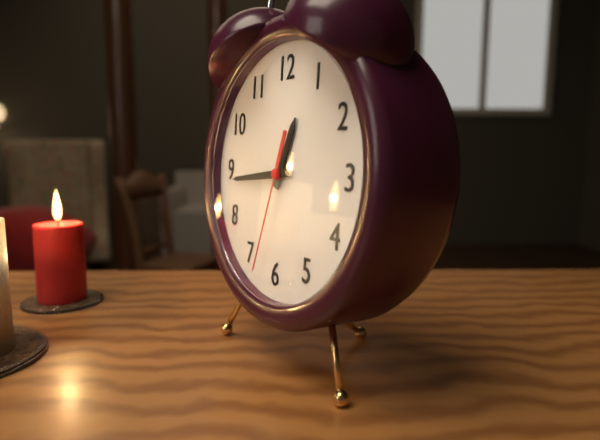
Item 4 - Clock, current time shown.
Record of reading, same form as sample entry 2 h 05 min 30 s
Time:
12 h 44 min 33 s
